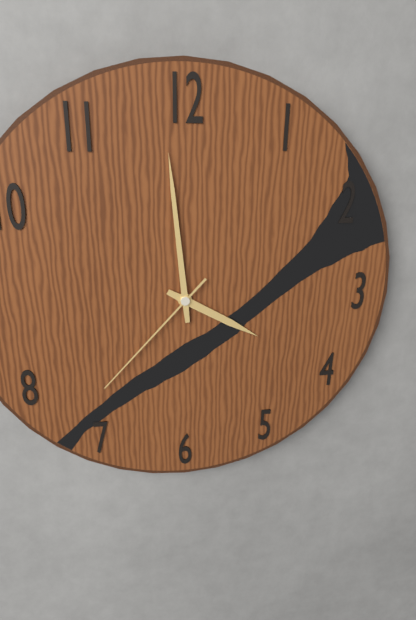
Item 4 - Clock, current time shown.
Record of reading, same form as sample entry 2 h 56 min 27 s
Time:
3 h 59 min 37 s
